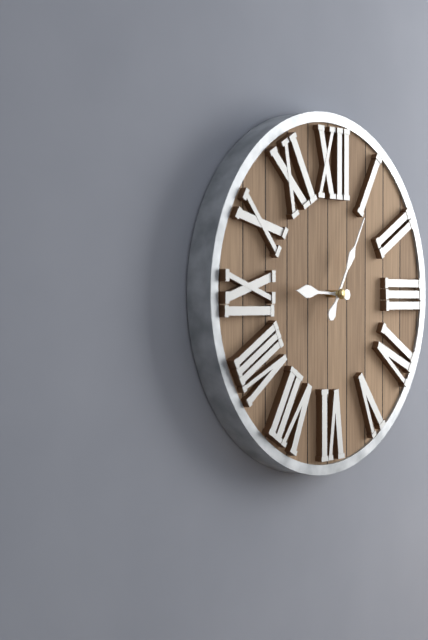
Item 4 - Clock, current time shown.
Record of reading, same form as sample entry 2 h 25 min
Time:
9 h 05 min
